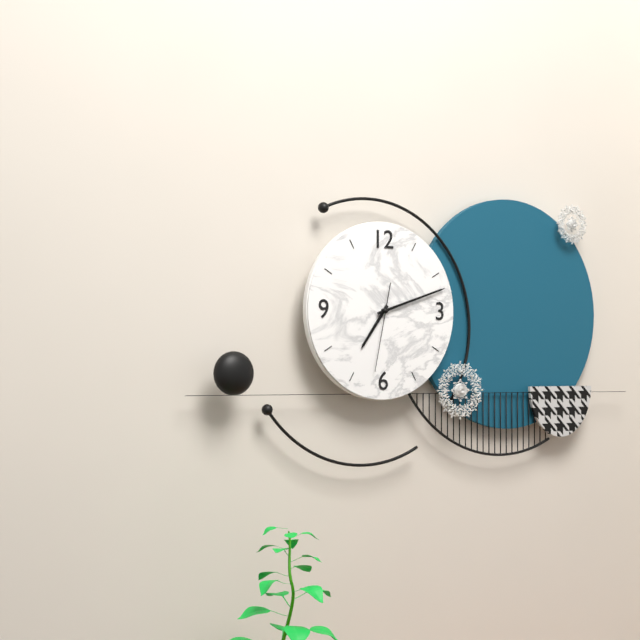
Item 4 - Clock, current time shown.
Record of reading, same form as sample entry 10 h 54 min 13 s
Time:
7 h 12 min 32 s
